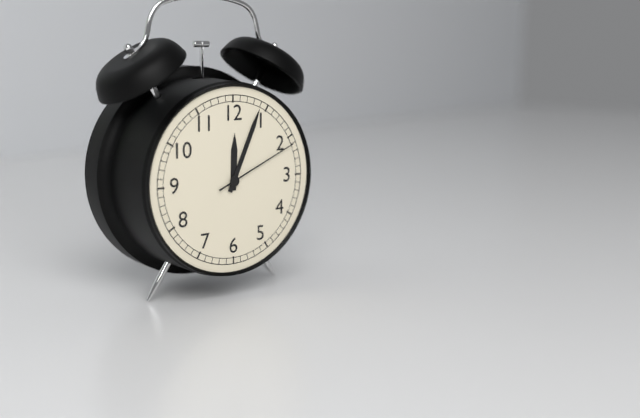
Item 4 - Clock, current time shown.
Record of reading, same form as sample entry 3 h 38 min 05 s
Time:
12 h 04 min 11 s
